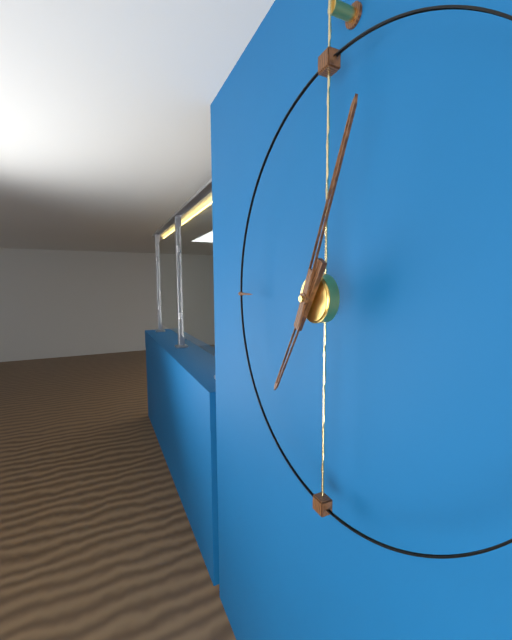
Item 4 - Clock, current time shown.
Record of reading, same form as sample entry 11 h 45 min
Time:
7 h 04 min
